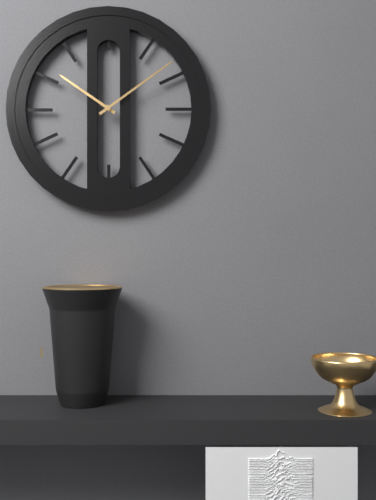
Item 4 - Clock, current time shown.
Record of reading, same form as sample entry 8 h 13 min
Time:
10 h 09 min
